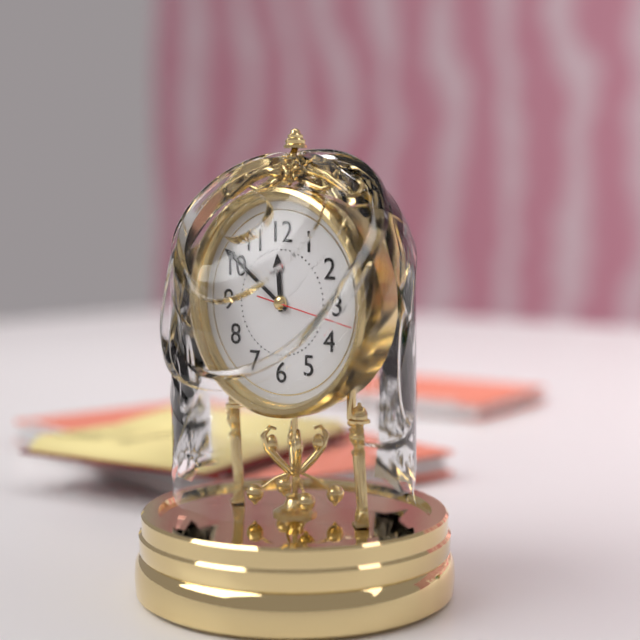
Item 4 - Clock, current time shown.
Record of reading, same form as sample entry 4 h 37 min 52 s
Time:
11 h 51 min 17 s
